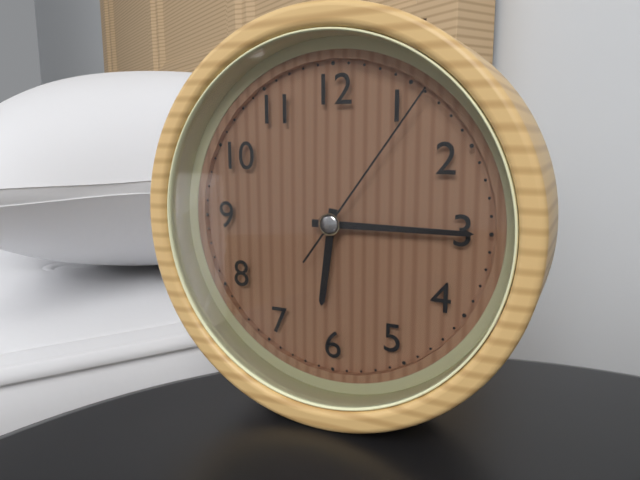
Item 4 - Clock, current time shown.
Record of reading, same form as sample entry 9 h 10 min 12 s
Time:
6 h 15 min 06 s
